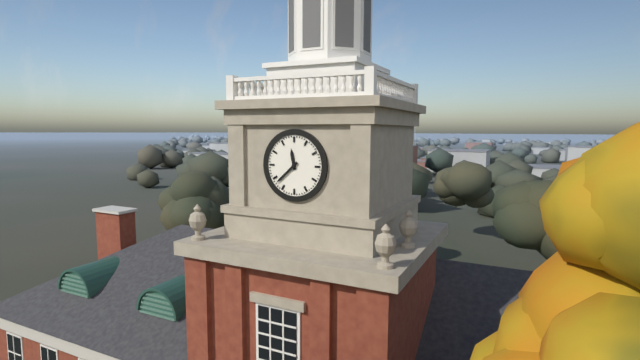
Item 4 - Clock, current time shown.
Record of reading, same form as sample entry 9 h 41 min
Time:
11 h 38 min
